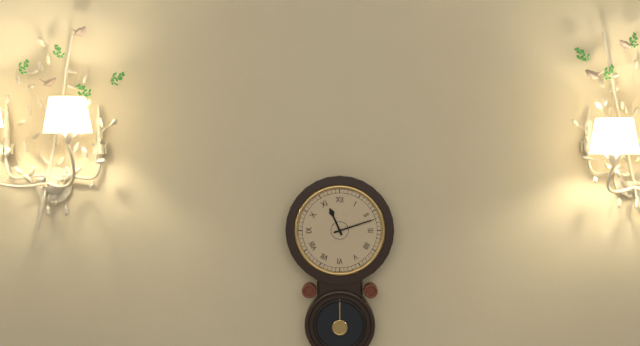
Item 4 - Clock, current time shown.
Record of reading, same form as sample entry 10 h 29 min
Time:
11 h 12 min
